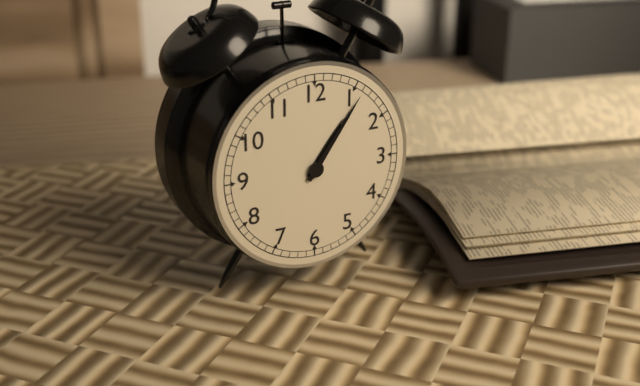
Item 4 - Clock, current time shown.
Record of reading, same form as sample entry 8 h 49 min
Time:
1 h 06 min
